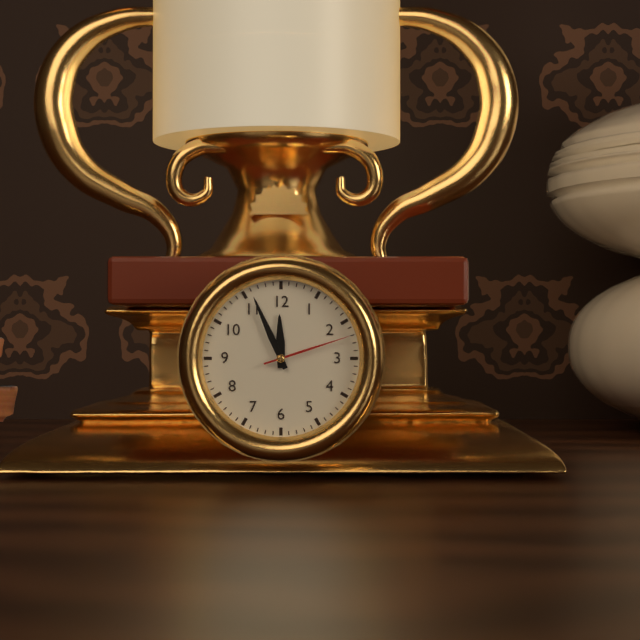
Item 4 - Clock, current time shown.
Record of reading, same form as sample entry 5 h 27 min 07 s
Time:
11 h 56 min 12 s
